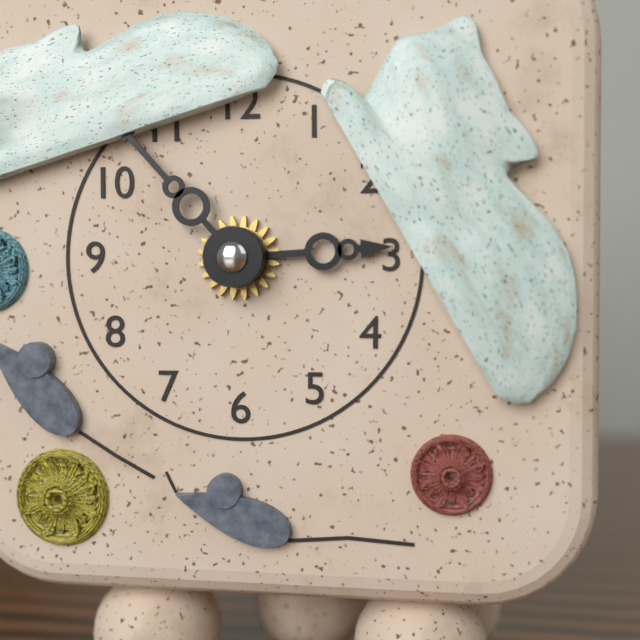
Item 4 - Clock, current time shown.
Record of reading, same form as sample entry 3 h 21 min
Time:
2 h 53 min
